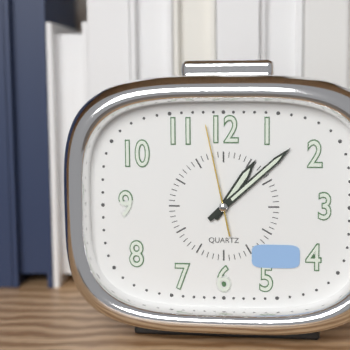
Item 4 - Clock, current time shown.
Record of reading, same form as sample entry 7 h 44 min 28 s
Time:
1 h 08 min 58 s
